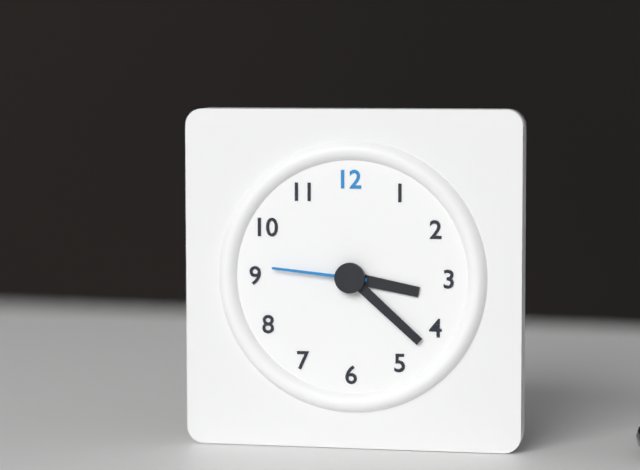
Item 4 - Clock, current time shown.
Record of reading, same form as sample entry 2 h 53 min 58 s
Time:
3 h 22 min 46 s
